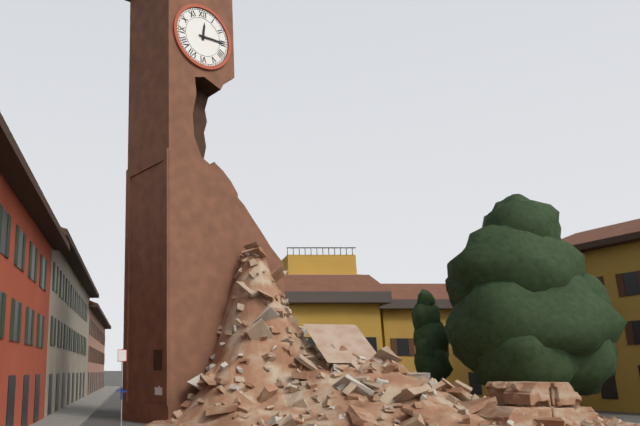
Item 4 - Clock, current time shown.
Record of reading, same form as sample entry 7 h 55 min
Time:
12 h 15 min
